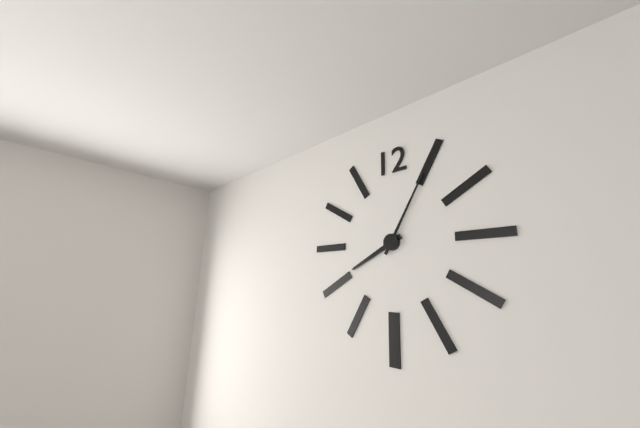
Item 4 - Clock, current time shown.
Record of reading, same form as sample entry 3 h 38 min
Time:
8 h 05 min
